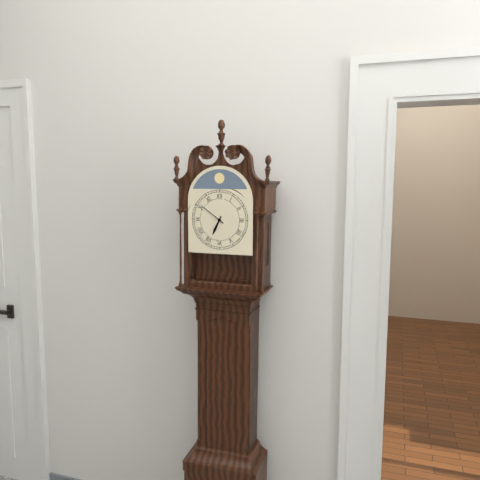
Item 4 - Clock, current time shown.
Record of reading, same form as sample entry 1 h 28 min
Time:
6 h 51 min
